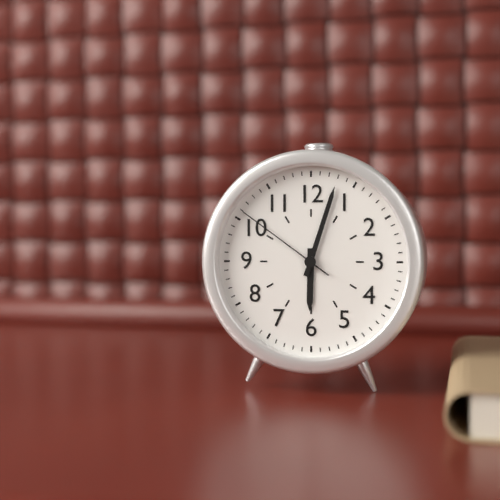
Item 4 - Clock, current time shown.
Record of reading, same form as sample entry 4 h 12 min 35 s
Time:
6 h 03 min 51 s
